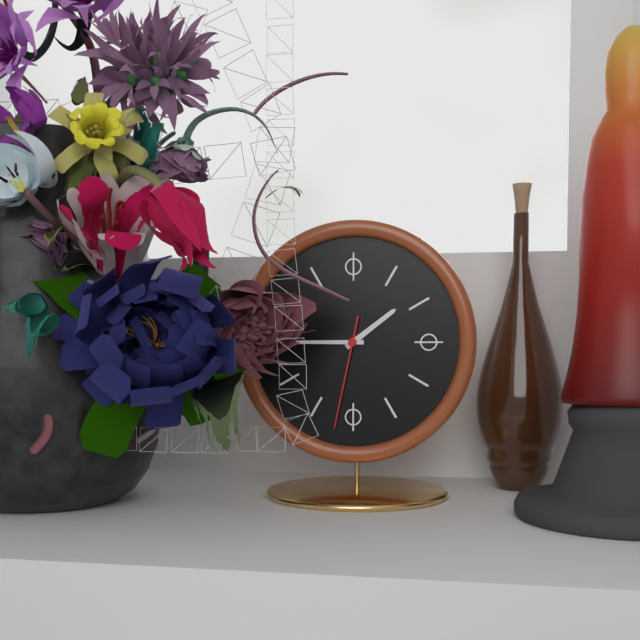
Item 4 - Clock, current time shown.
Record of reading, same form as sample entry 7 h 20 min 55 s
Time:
1 h 45 min 32 s
